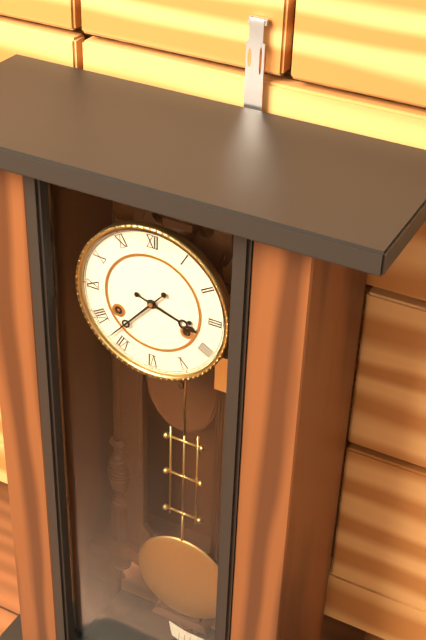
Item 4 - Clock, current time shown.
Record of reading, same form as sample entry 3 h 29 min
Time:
3 h 37 min
